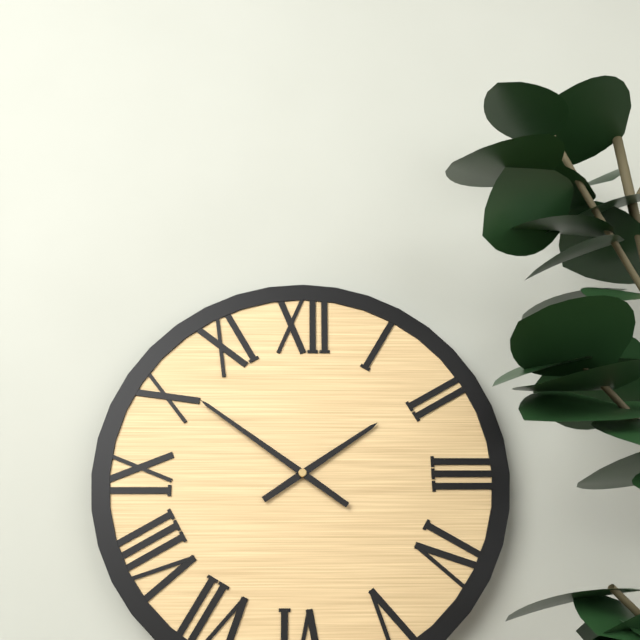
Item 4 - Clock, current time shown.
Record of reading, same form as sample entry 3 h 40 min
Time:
1 h 51 min
